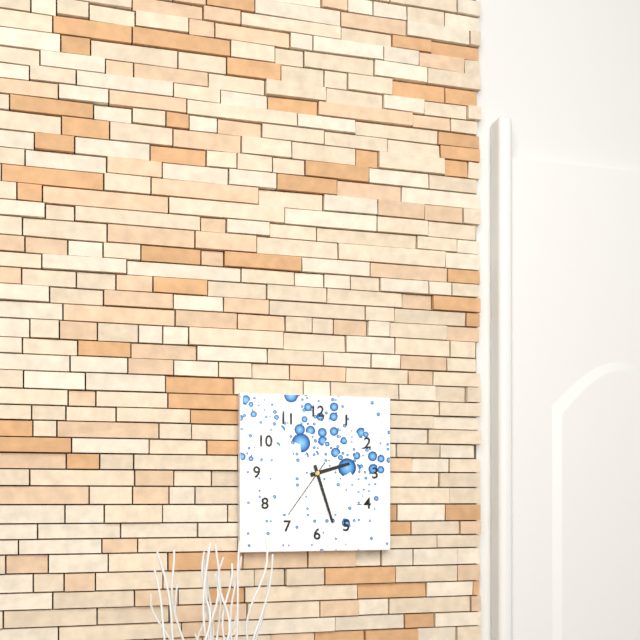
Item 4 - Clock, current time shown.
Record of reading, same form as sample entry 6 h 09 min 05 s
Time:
2 h 27 min 36 s
